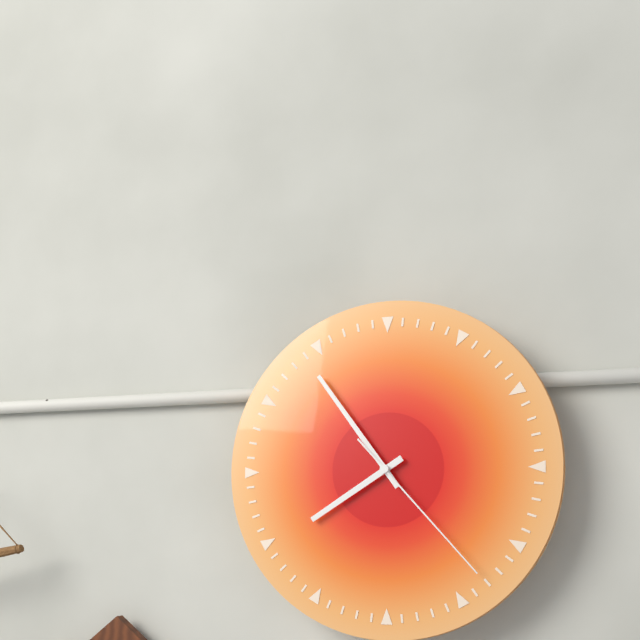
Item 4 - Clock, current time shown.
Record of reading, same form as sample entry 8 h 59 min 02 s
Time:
7 h 54 min 23 s
